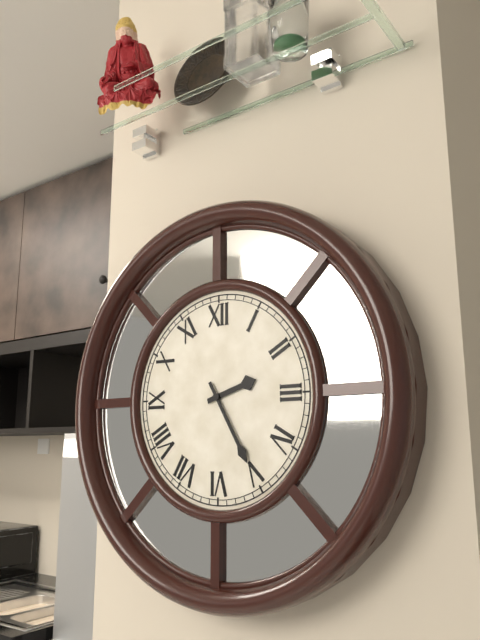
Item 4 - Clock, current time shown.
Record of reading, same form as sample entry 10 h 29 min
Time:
2 h 25 min
